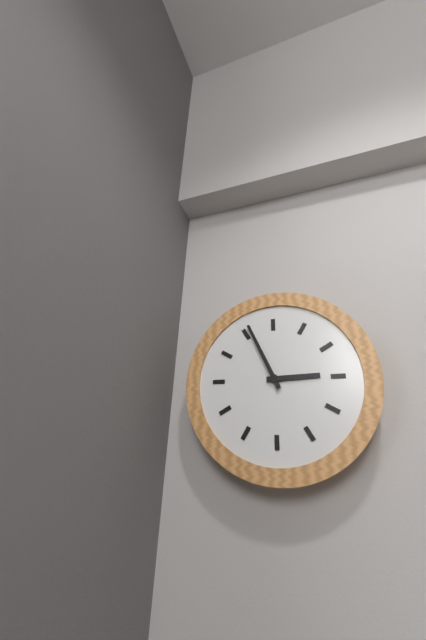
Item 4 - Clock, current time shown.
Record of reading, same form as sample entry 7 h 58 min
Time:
2 h 56 min
